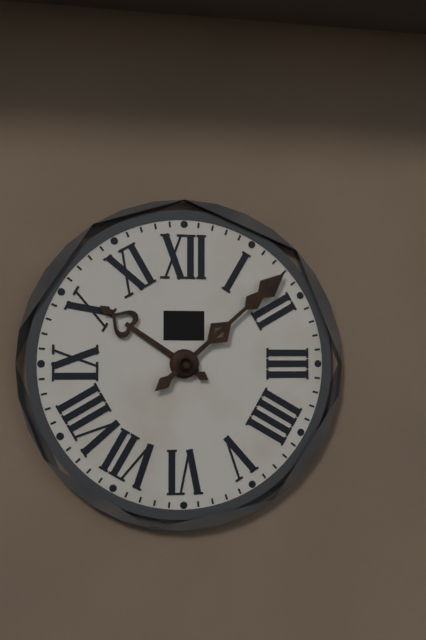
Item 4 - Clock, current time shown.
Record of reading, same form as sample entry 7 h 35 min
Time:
10 h 08 min
